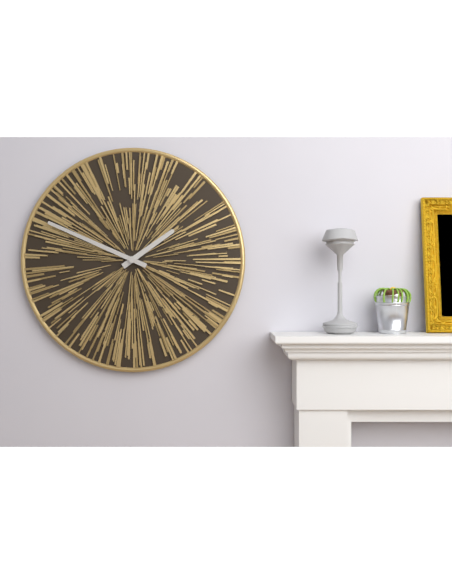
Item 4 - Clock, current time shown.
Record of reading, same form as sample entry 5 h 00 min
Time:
1 h 49 min
